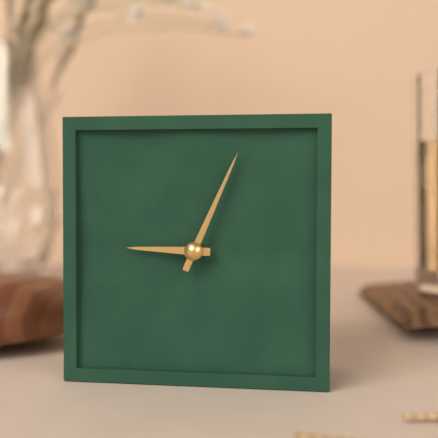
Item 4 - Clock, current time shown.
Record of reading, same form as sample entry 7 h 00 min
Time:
9 h 04 min
